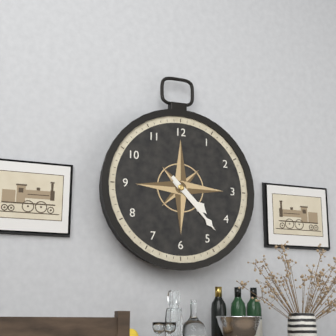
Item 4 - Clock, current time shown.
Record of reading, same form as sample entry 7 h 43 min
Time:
4 h 23 min
